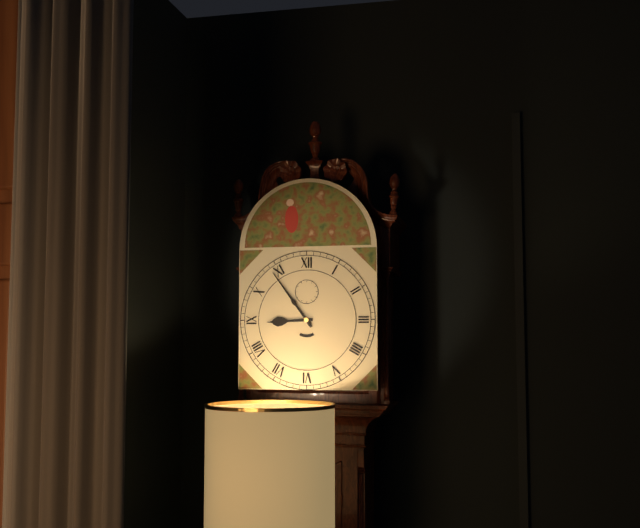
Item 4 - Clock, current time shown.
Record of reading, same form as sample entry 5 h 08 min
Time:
8 h 54 min
